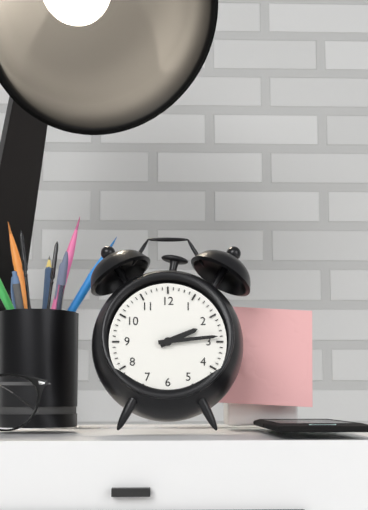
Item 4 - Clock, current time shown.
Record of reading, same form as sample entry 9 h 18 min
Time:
2 h 14 min
